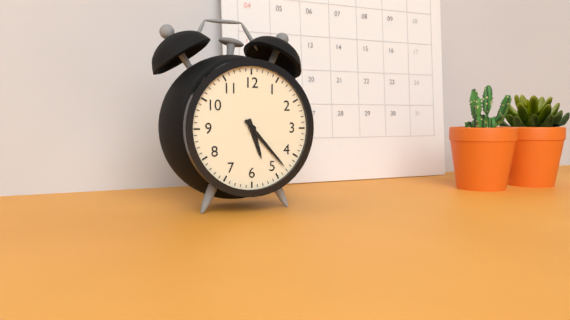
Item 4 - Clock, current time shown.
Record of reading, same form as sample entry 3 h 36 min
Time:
5 h 23 min
